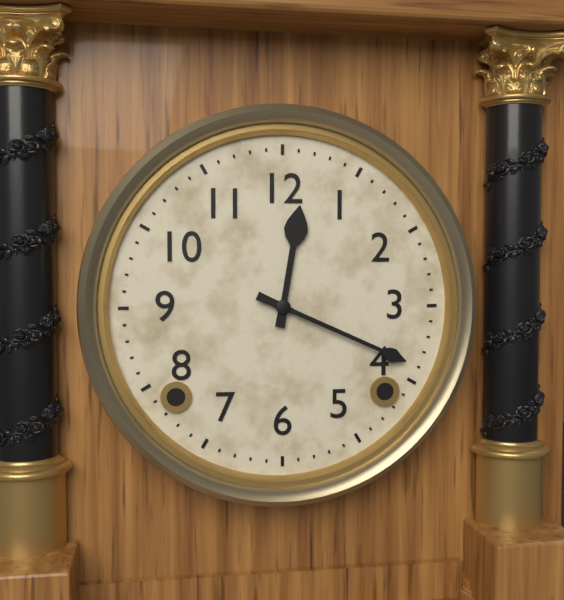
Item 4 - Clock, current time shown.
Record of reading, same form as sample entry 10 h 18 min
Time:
12 h 19 min
